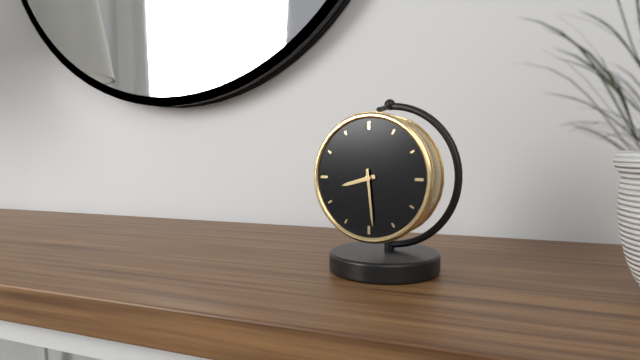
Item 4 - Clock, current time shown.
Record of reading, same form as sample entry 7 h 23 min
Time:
8 h 29 min
